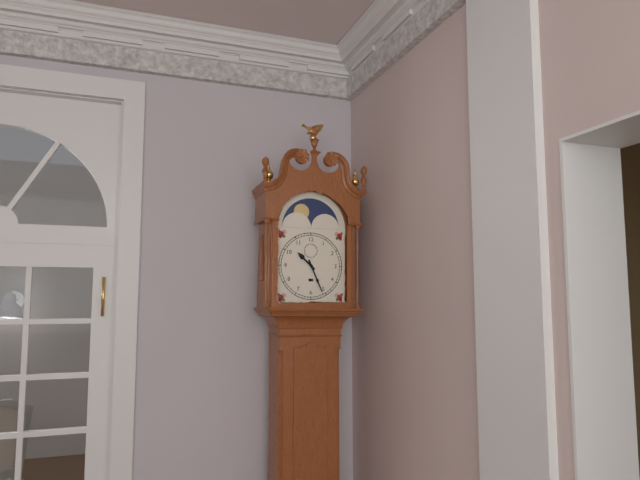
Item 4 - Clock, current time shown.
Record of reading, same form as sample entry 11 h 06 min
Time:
10 h 26 min
